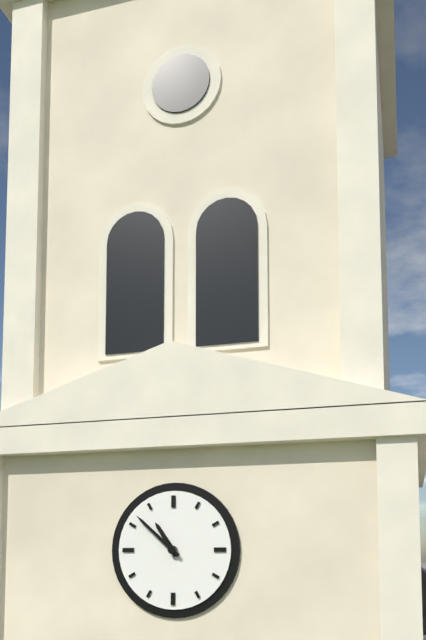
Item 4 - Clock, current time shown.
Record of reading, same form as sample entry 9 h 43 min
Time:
10 h 52 min
